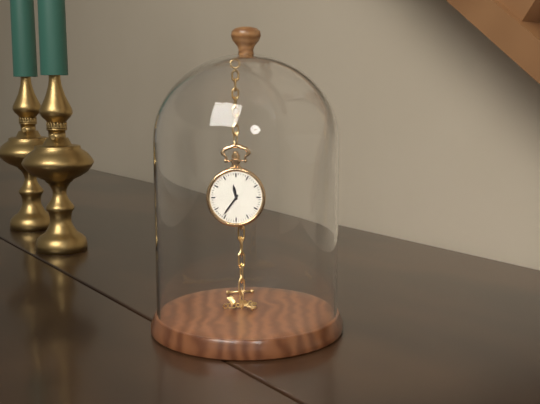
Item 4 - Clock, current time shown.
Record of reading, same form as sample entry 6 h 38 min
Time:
11 h 36 min
